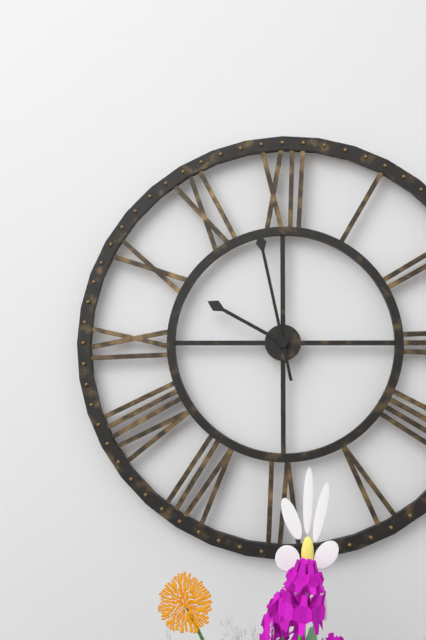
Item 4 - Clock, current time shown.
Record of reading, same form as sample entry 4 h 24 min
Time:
9 h 58 min
